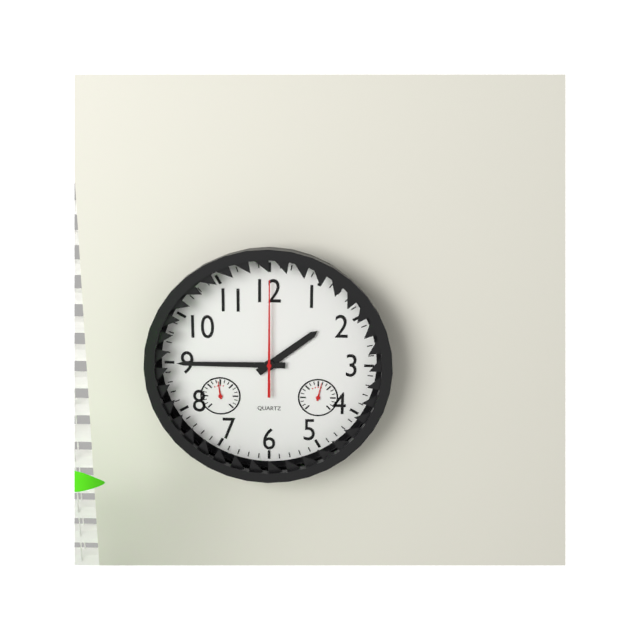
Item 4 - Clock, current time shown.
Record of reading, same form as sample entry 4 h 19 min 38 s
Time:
1 h 45 min 00 s
